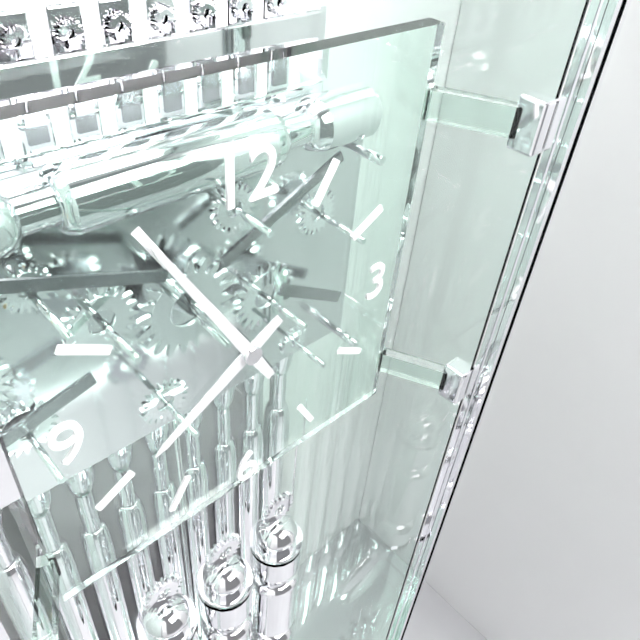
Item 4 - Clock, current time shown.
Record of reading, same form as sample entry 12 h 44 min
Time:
7 h 55 min
